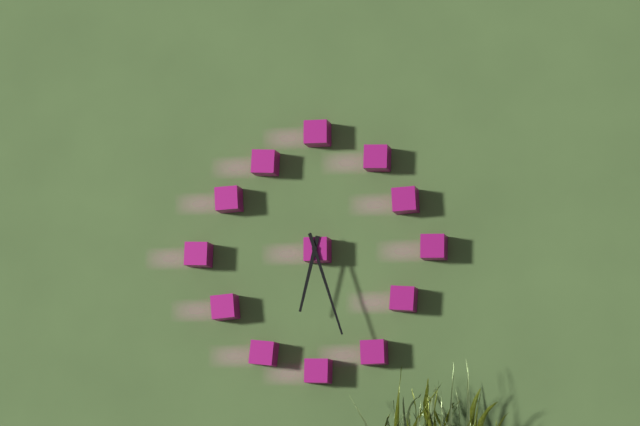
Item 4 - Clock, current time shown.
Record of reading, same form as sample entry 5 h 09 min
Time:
6 h 27 min
